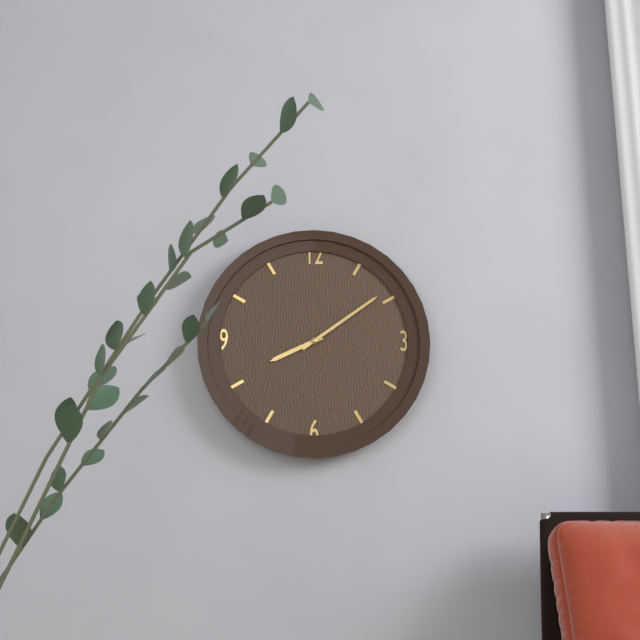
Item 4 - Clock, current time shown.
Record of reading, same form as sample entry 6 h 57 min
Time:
8 h 09 min
